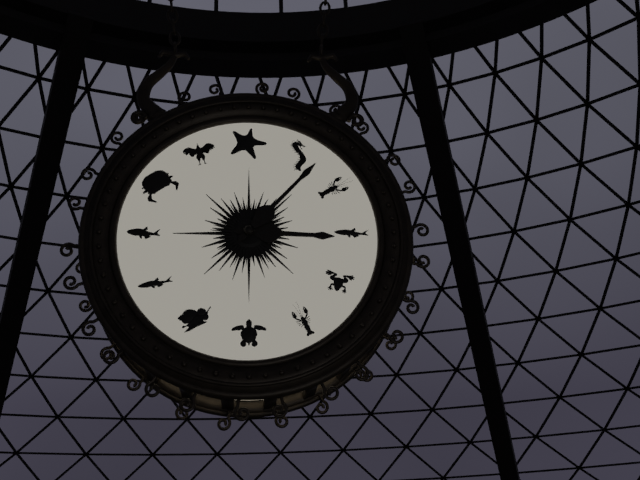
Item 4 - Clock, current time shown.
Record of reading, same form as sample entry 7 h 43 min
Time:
3 h 07 min
